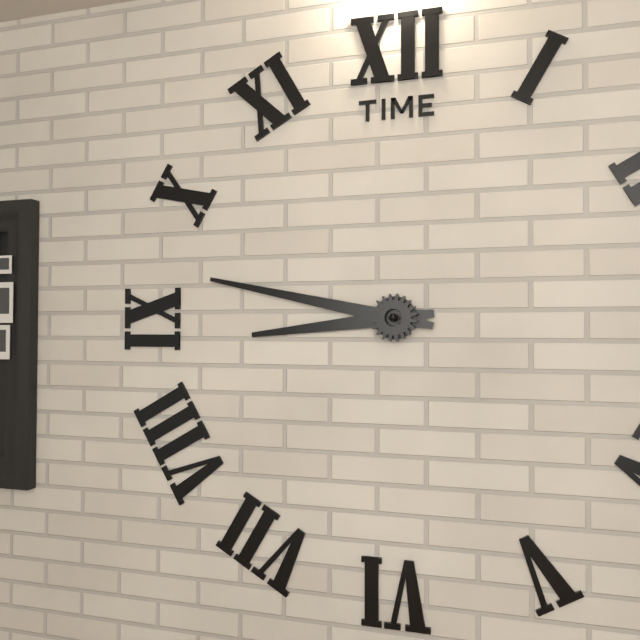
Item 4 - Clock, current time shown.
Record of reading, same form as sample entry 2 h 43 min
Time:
8 h 47 min
